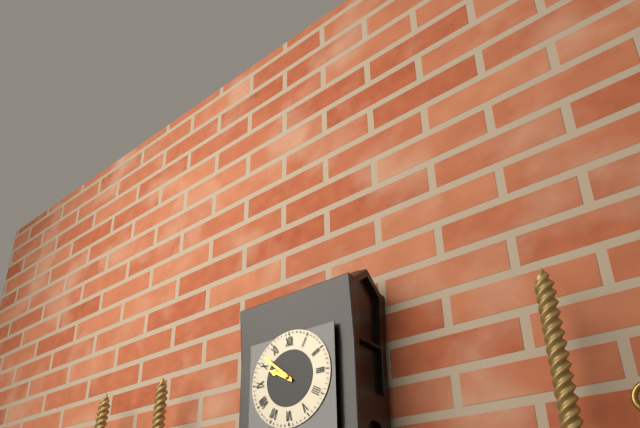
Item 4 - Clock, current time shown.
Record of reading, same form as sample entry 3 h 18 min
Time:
9 h 52 min
